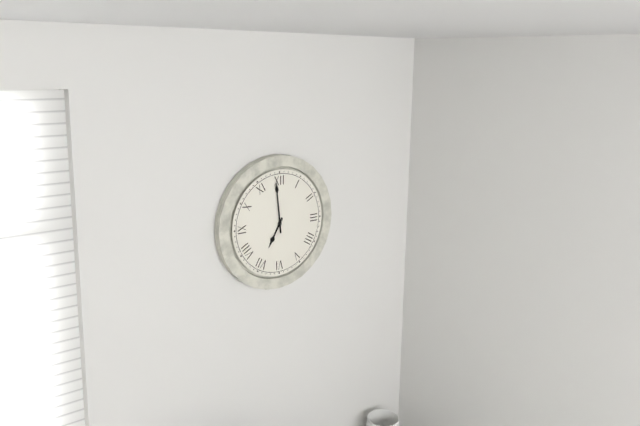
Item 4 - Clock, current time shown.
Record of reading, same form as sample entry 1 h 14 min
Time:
6 h 59 min
